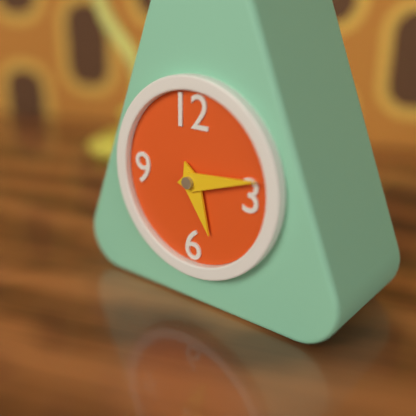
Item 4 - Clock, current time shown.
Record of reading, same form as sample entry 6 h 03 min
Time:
5 h 13 min
